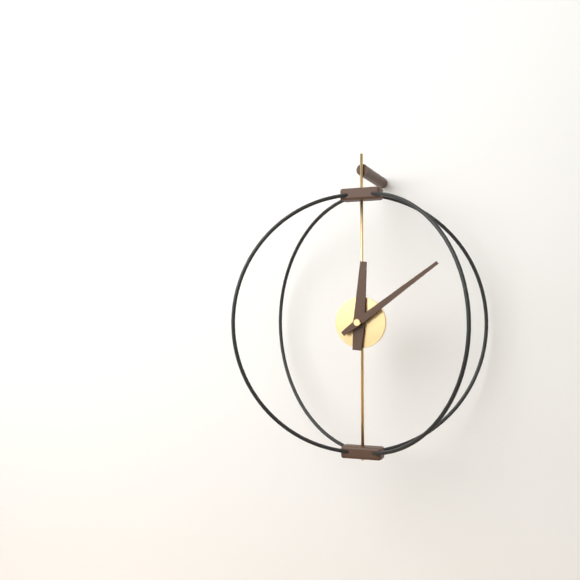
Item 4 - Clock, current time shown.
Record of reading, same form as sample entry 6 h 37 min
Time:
12 h 09 min
